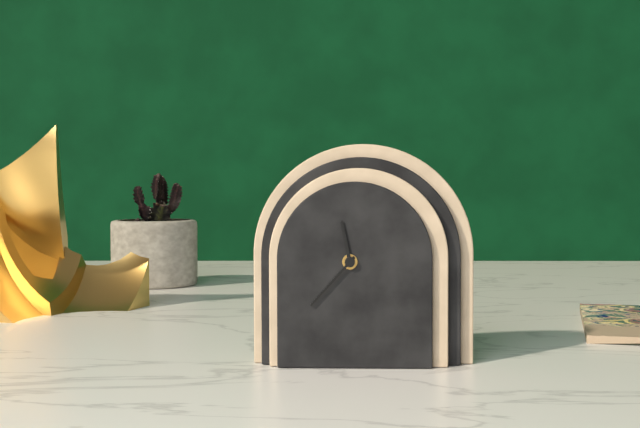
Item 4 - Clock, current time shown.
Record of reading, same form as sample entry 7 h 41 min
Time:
11 h 37 min
